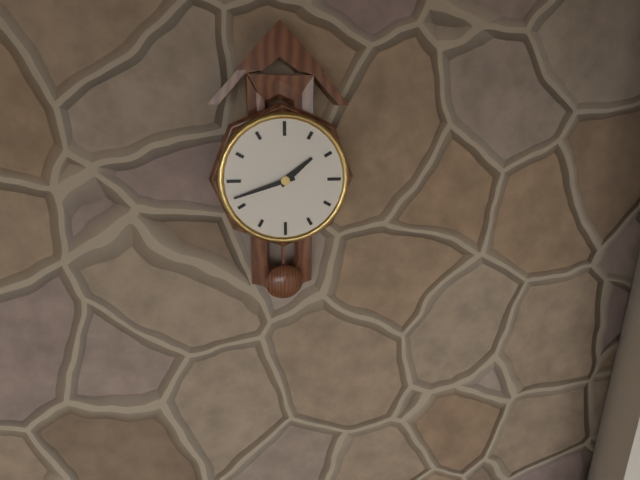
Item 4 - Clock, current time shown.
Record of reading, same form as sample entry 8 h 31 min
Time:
1 h 42 min
